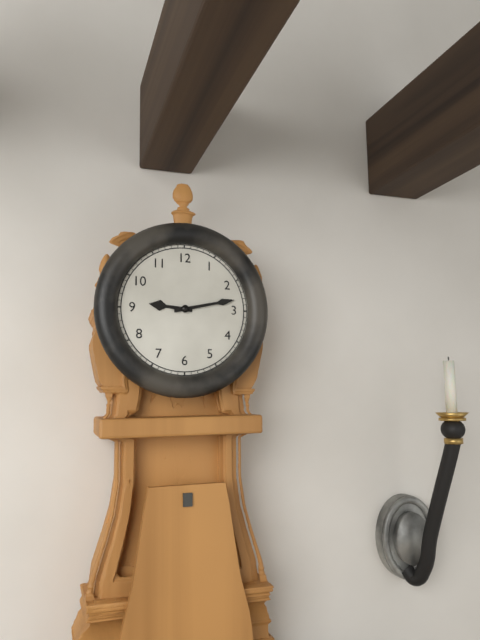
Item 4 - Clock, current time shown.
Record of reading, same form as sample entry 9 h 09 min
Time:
9 h 13 min
